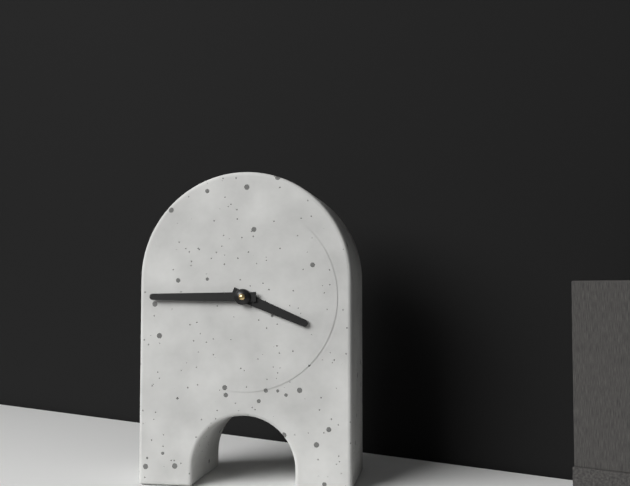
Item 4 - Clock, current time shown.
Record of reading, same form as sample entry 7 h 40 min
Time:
3 h 45 min
